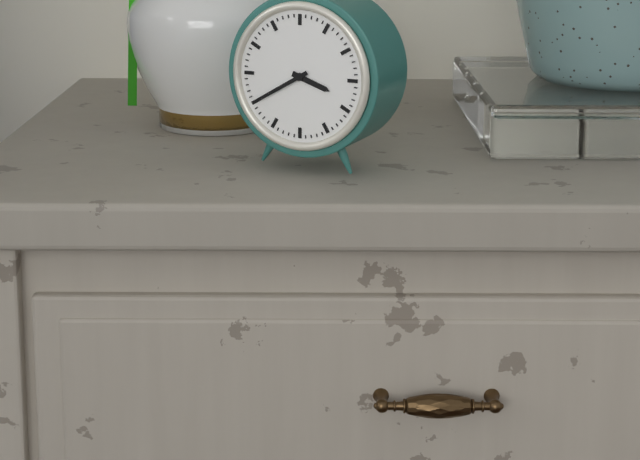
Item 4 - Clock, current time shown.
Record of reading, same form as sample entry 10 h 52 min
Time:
3 h 40 min
